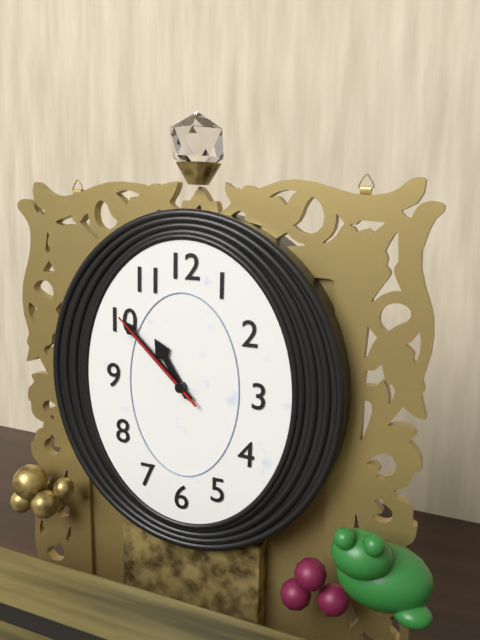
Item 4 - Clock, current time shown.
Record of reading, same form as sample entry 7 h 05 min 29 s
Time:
10 h 52 min 52 s
